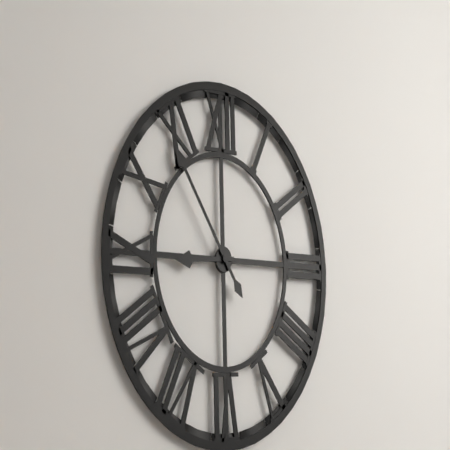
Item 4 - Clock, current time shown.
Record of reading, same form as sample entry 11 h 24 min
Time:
8 h 54 min
